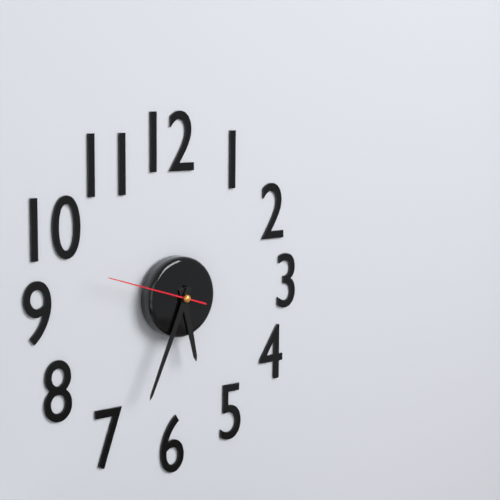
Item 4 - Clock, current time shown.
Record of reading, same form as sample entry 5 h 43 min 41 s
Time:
5 h 34 min 48 s
